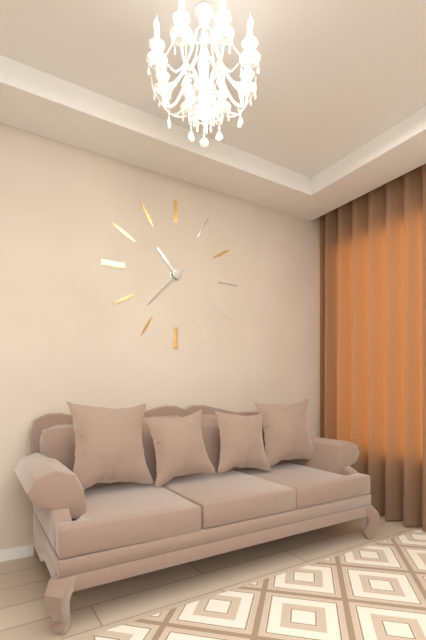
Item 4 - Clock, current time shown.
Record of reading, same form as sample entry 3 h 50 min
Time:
10 h 37 min
